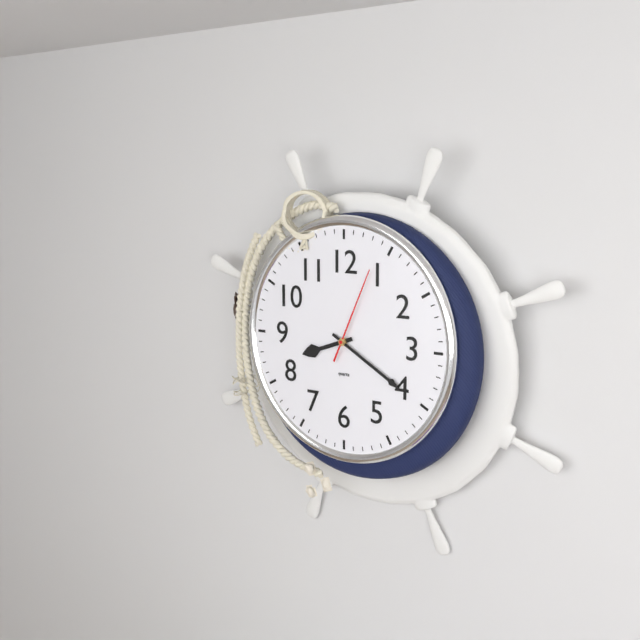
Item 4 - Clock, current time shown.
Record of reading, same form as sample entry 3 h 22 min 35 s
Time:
8 h 20 min 04 s
